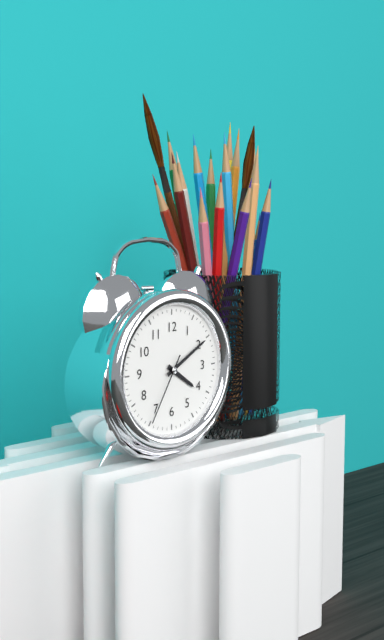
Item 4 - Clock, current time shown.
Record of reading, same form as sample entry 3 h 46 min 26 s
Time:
4 h 10 min 35 s
